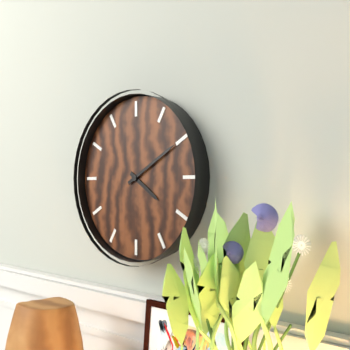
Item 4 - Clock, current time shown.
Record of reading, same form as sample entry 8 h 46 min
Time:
4 h 10 min
